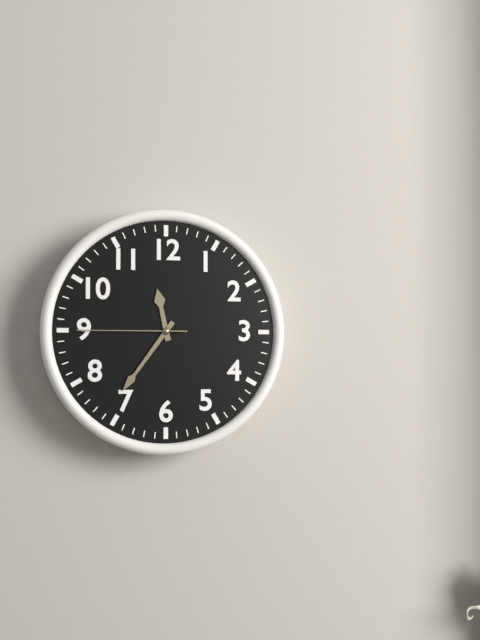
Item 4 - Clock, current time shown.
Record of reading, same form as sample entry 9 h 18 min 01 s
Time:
11 h 36 min 45 s
